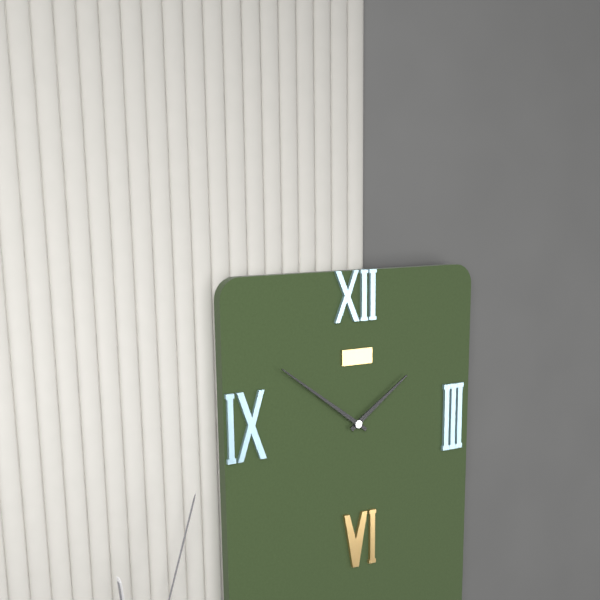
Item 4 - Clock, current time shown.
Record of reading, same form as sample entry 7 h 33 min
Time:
1 h 51 min
